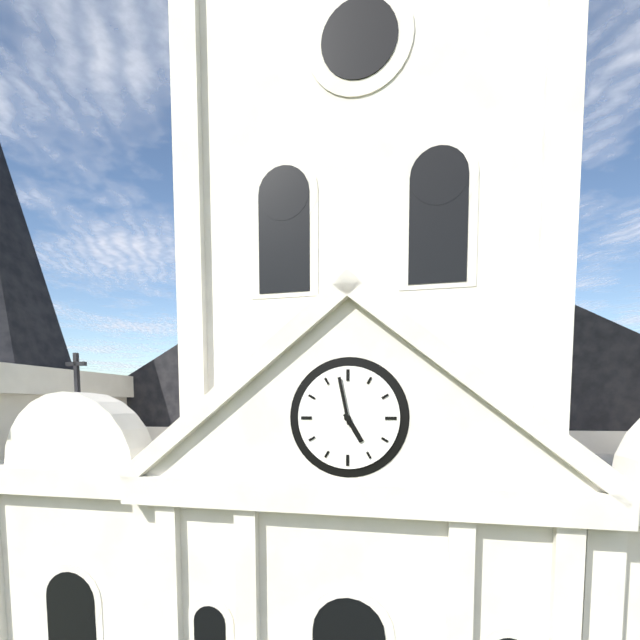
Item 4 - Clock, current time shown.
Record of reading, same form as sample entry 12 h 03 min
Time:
4 h 58 min
